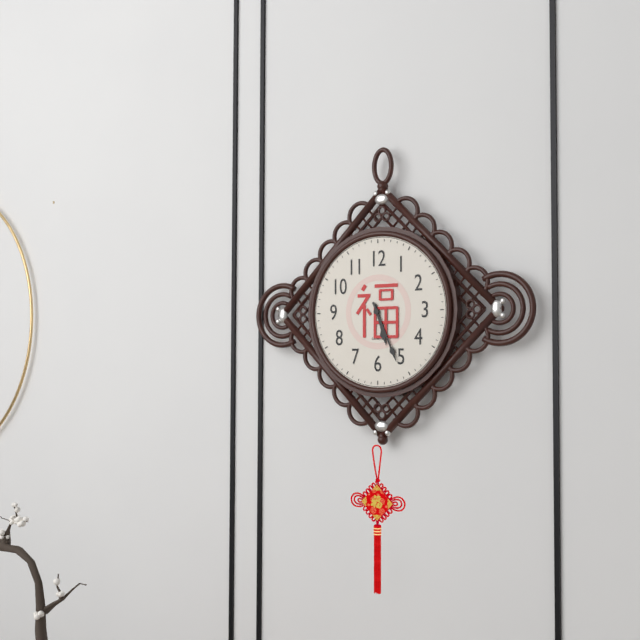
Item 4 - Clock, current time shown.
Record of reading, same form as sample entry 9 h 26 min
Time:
5 h 26 min
